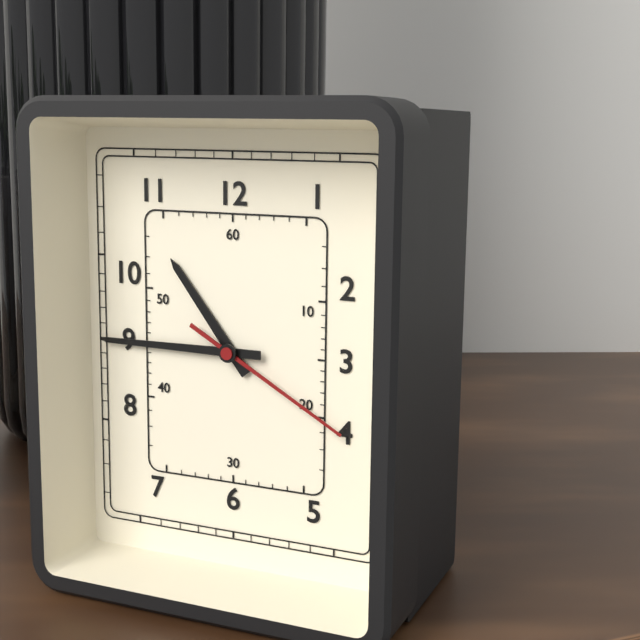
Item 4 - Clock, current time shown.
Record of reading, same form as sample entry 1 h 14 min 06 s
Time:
10 h 45 min 20 s
